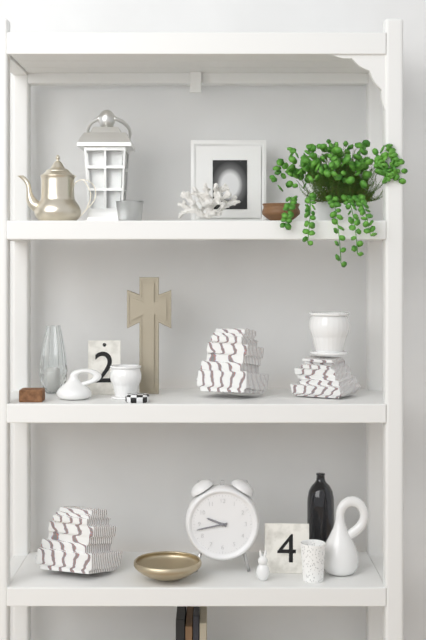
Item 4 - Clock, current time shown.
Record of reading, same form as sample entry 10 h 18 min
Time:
9 h 43 min
